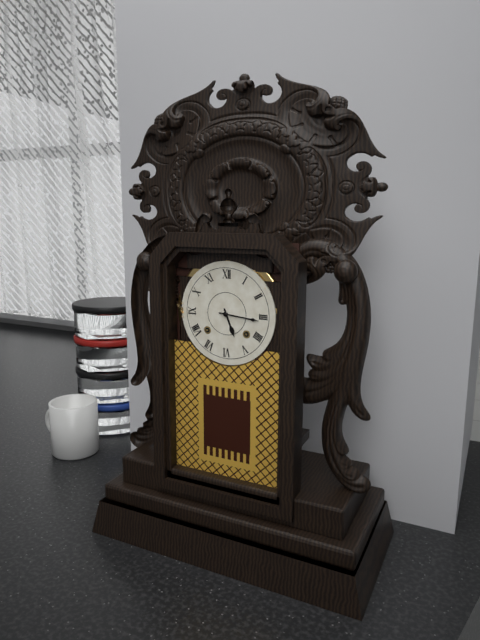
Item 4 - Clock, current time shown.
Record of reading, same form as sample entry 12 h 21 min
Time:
5 h 16 min
